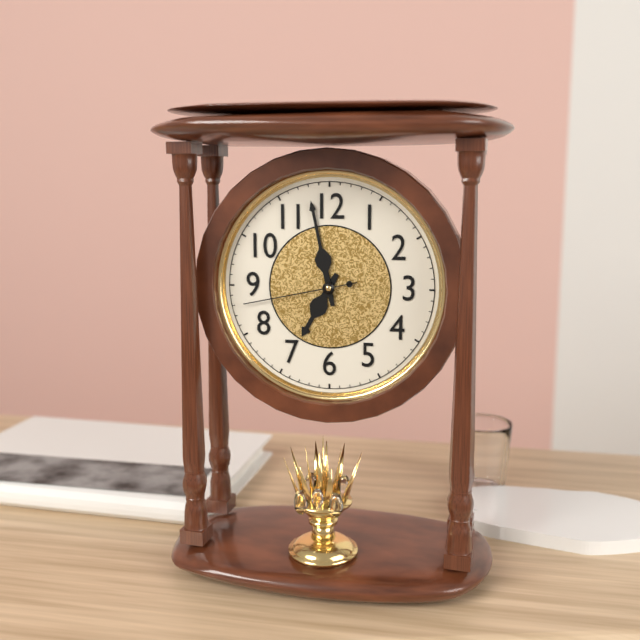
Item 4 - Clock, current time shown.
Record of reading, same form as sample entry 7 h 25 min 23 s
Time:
6 h 58 min 43 s
